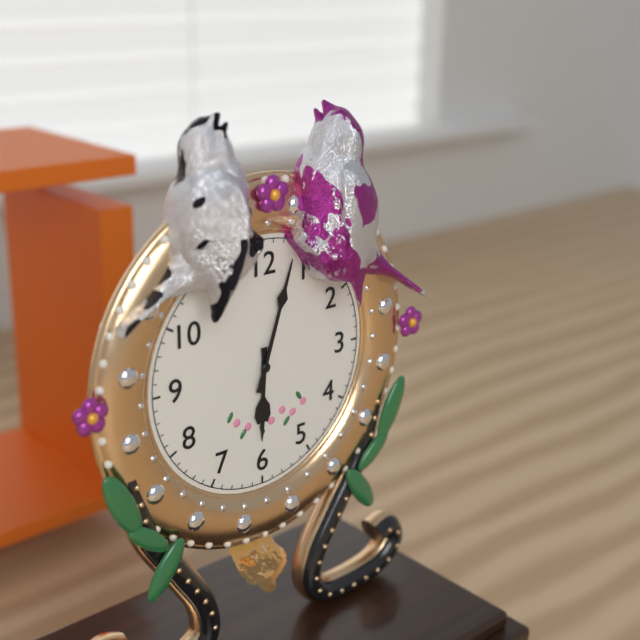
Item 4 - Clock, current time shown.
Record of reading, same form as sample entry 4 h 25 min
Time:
6 h 03 min
